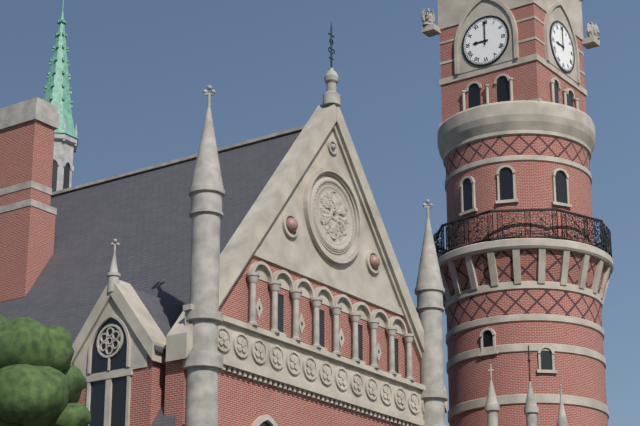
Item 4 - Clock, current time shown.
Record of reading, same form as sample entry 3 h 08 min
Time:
9 h 00 min
